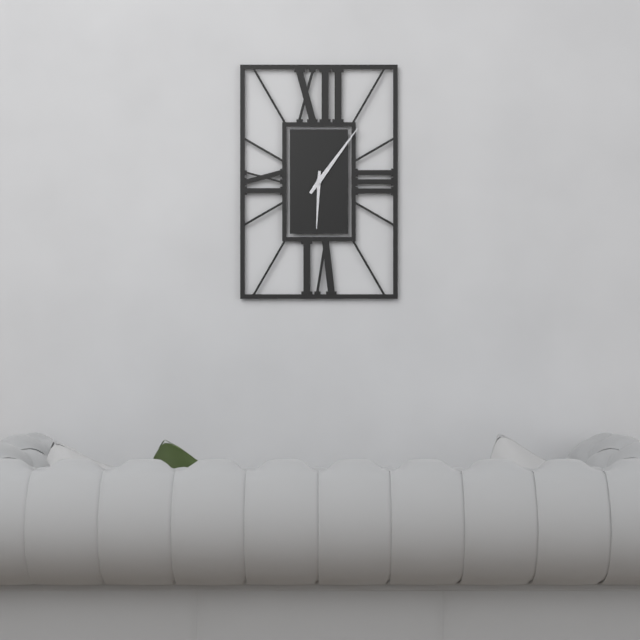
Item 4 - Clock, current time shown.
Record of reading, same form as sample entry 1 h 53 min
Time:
6 h 06 min
